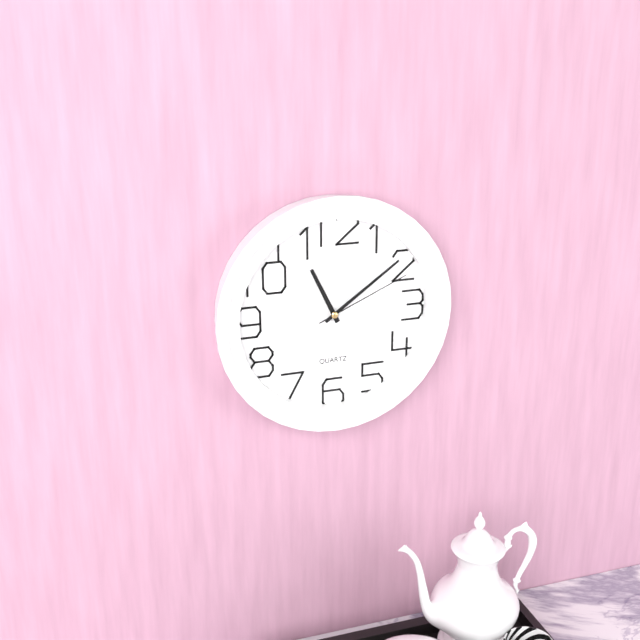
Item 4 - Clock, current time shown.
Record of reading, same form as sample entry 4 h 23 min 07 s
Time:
11 h 09 min 11 s
